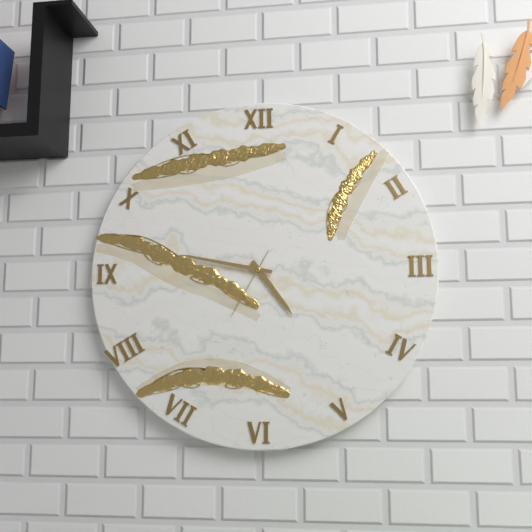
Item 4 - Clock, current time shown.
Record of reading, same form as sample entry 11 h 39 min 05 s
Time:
4 h 47 min 35 s
